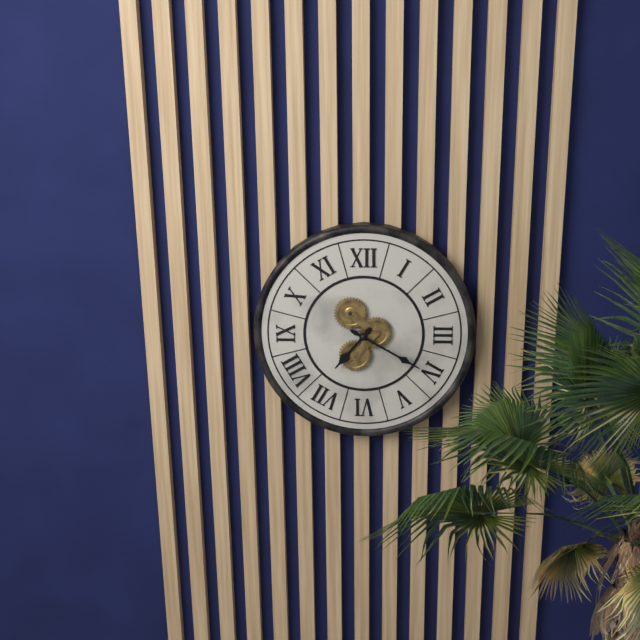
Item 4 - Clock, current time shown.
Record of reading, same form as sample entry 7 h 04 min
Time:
7 h 20 min
